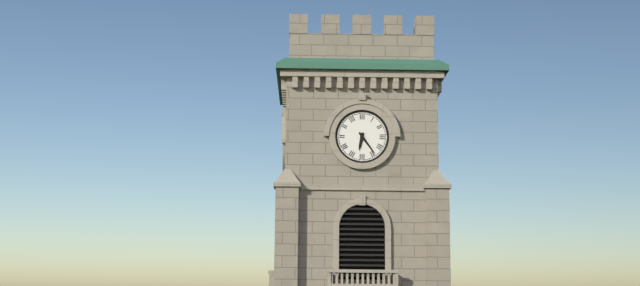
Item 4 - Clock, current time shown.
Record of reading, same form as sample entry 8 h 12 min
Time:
6 h 24 min
